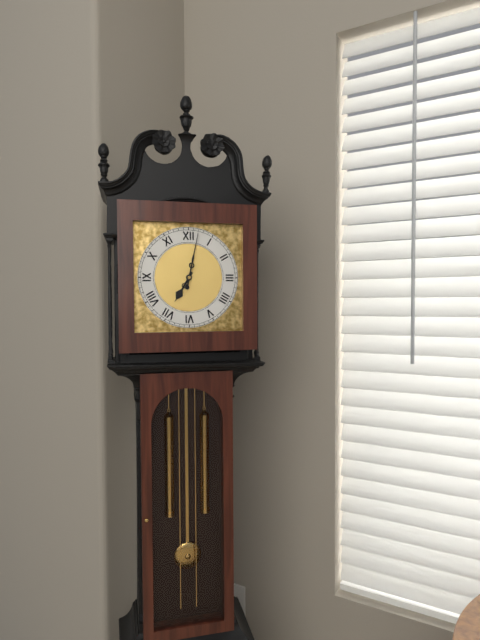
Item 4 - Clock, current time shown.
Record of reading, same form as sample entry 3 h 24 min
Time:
7 h 02 min
